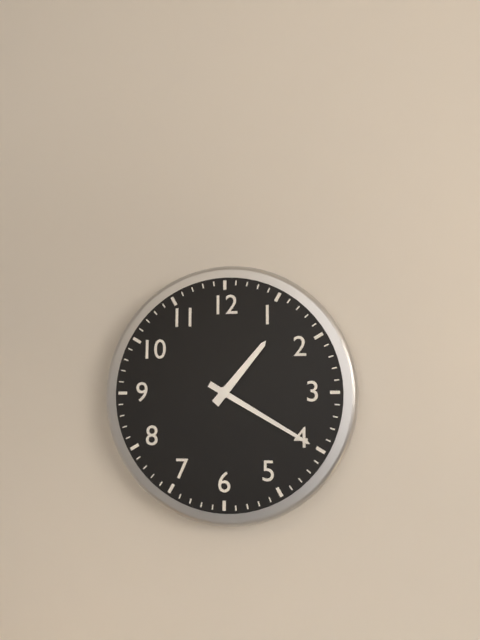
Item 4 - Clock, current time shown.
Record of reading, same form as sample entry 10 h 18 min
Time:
1 h 20 min
